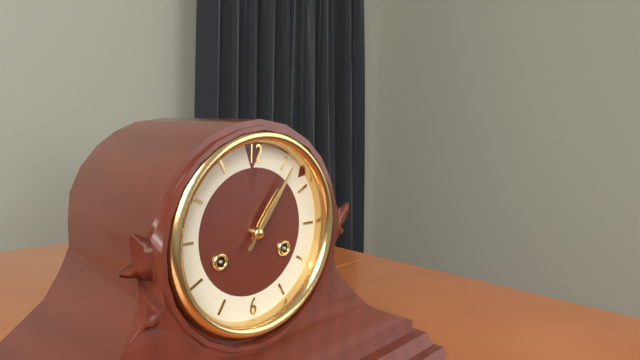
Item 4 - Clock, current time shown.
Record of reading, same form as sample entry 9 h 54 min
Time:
1 h 06 min
